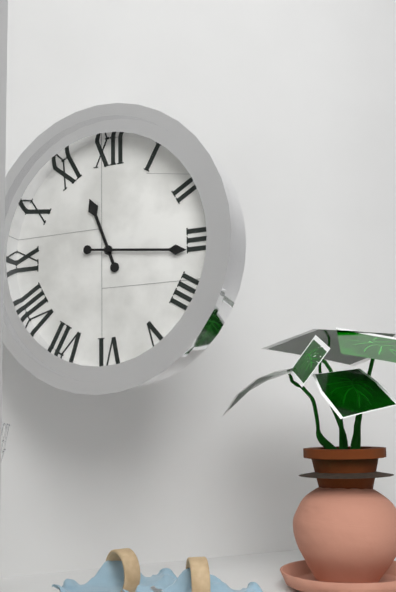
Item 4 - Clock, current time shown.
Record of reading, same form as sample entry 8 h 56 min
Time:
11 h 16 min
